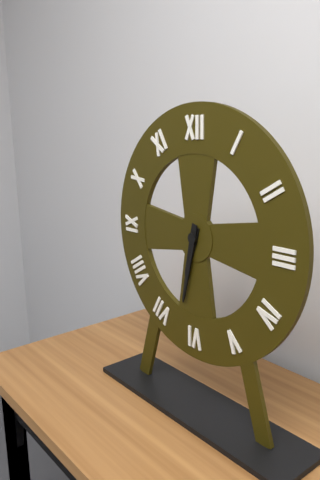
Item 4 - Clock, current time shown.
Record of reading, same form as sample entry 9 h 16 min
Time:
6 h 32 min
